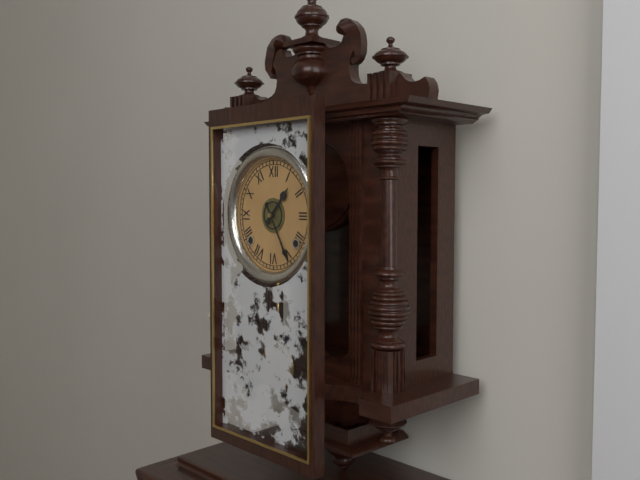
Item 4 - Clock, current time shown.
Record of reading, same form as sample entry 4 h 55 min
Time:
1 h 25 min
